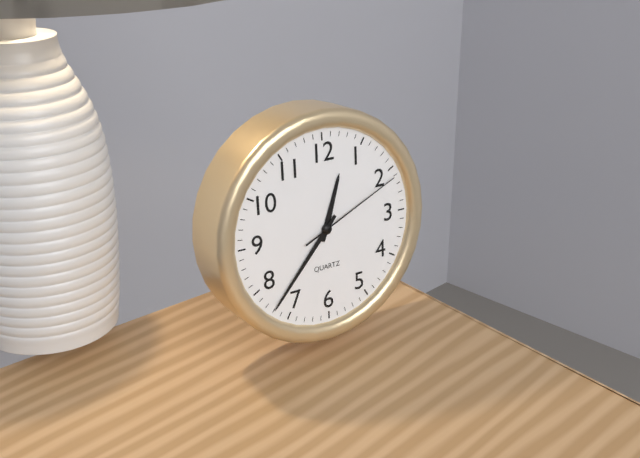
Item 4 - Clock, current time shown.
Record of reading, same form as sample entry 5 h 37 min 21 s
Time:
12 h 37 min 11 s
